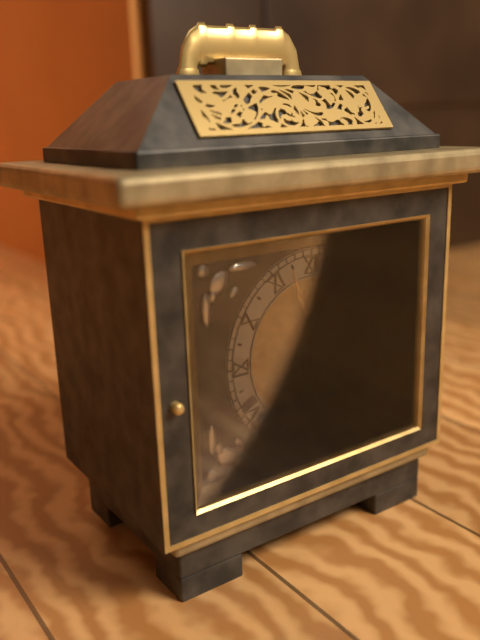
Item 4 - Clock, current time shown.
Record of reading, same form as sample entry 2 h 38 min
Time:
12 h 57 min
